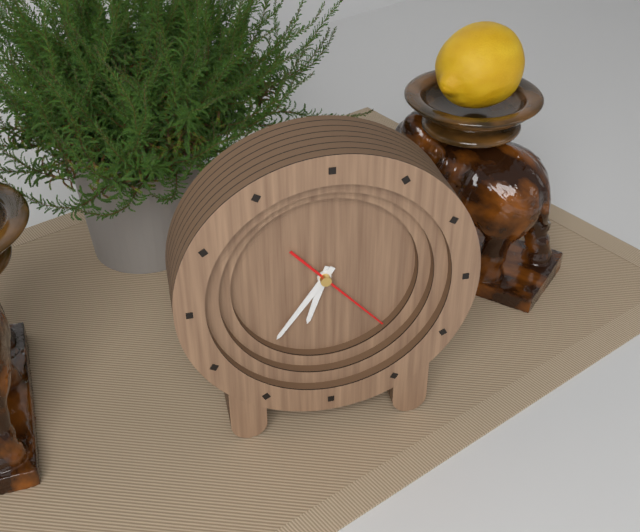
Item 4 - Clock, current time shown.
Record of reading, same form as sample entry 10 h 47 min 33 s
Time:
6 h 36 min 23 s
